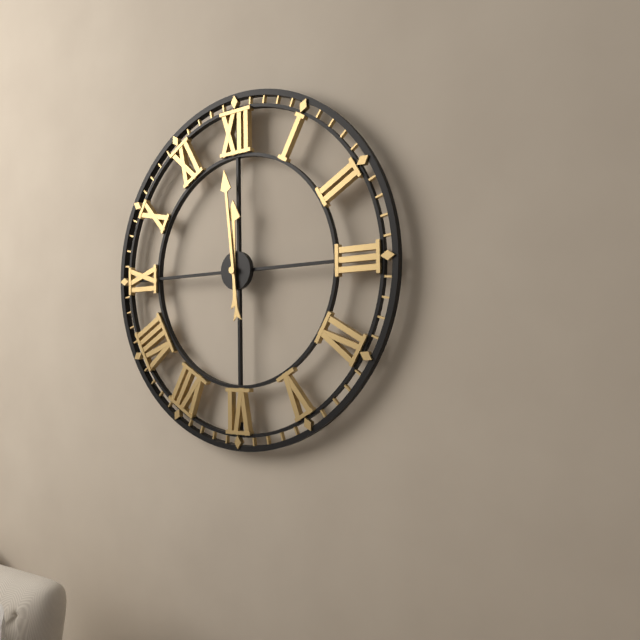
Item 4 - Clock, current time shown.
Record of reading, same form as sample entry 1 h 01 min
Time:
11 h 59 min
